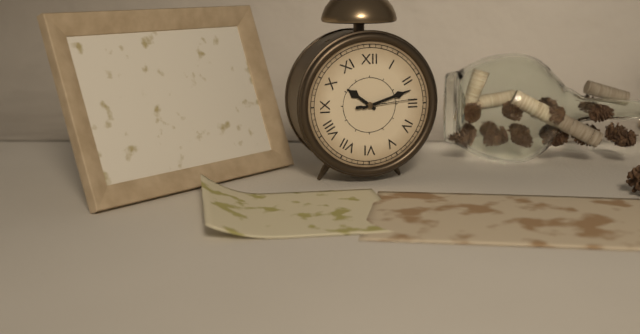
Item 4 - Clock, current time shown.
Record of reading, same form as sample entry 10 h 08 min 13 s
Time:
10 h 12 min 14 s
